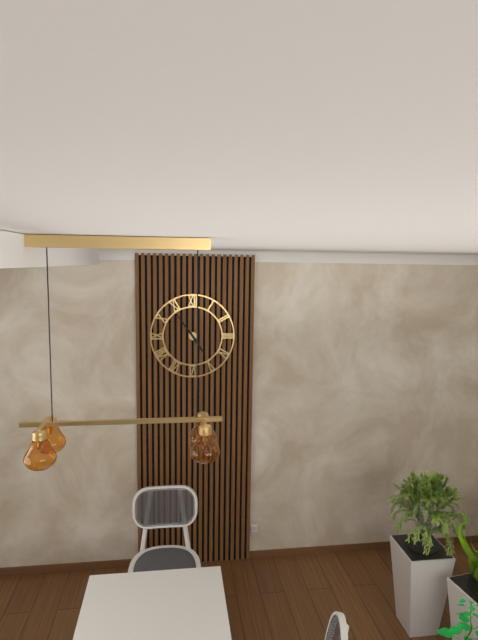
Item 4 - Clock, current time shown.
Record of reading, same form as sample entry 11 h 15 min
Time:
4 h 54 min
